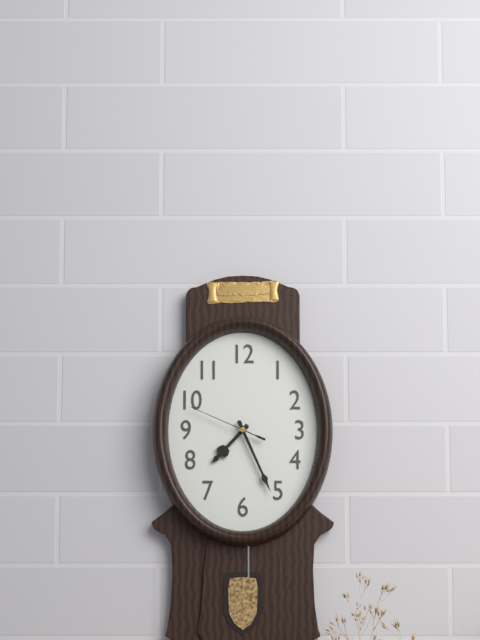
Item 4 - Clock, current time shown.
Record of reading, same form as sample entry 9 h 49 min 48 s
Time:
7 h 26 min 49 s
